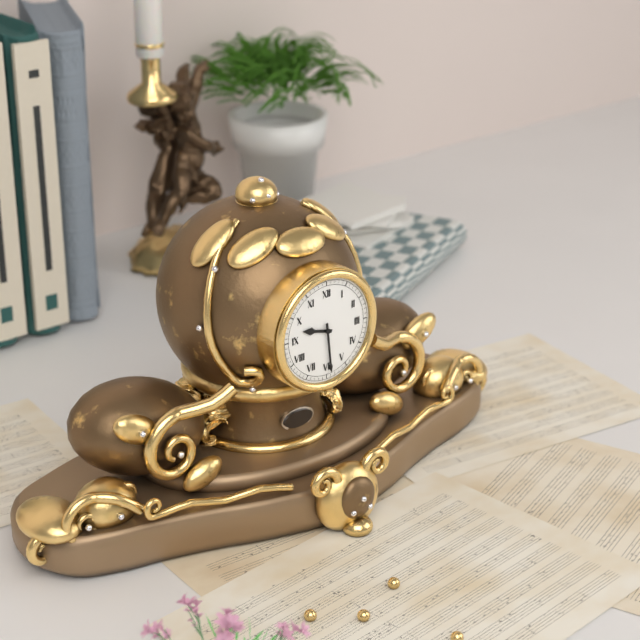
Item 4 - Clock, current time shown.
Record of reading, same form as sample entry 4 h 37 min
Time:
9 h 29 min
